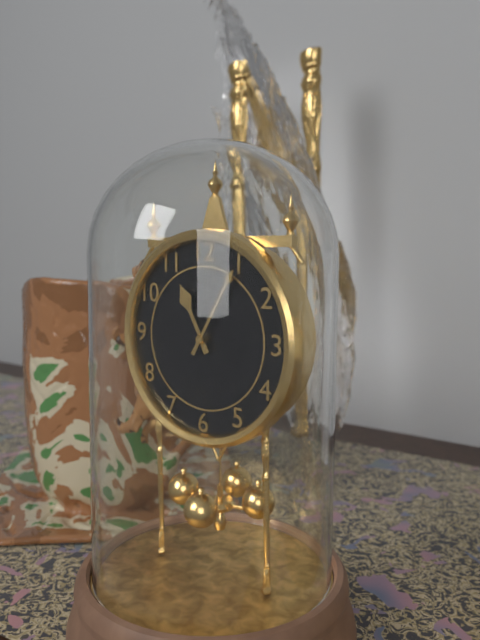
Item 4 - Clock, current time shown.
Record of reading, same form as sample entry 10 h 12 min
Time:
11 h 05 min
